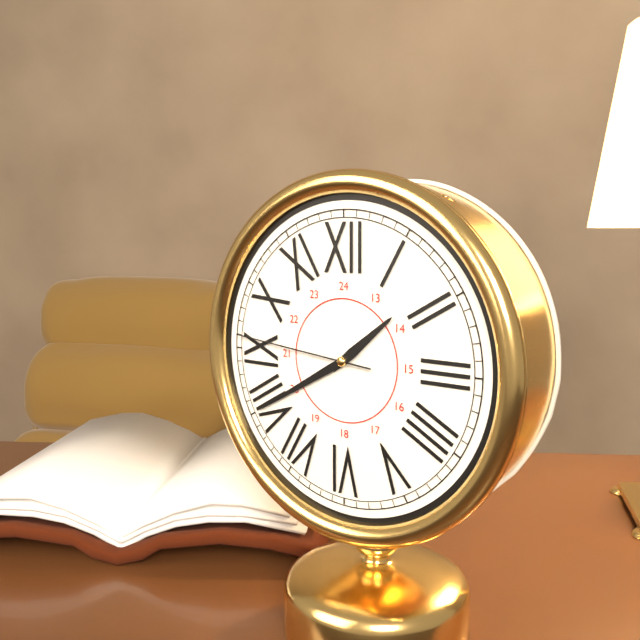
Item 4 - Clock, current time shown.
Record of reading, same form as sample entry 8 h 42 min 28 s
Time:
1 h 40 min 46 s
